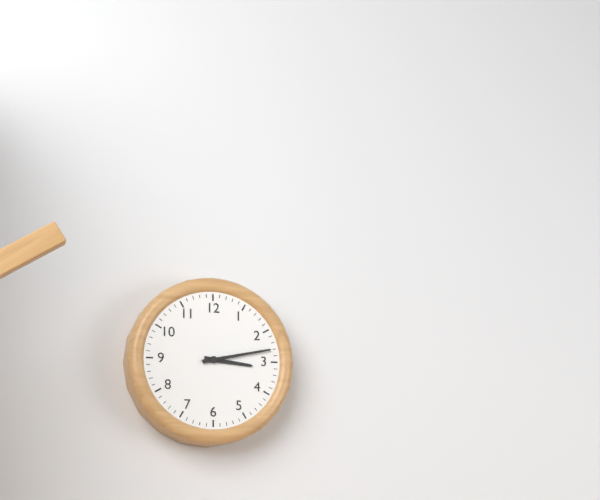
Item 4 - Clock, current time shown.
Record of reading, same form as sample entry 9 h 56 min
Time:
3 h 13 min
